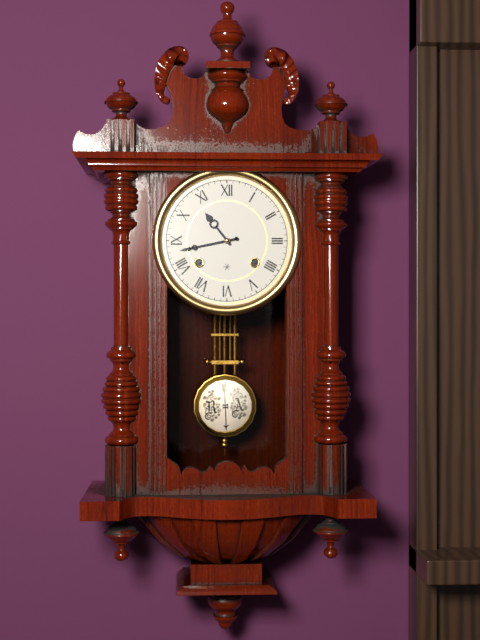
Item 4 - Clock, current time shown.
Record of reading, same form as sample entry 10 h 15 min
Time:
10 h 43 min
